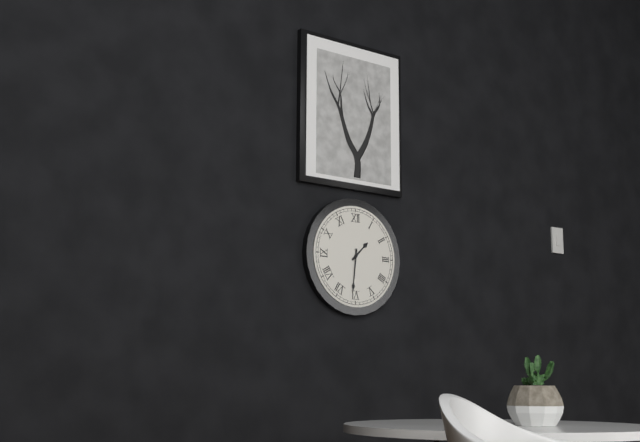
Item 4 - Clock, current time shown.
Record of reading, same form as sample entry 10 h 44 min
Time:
1 h 31 min
